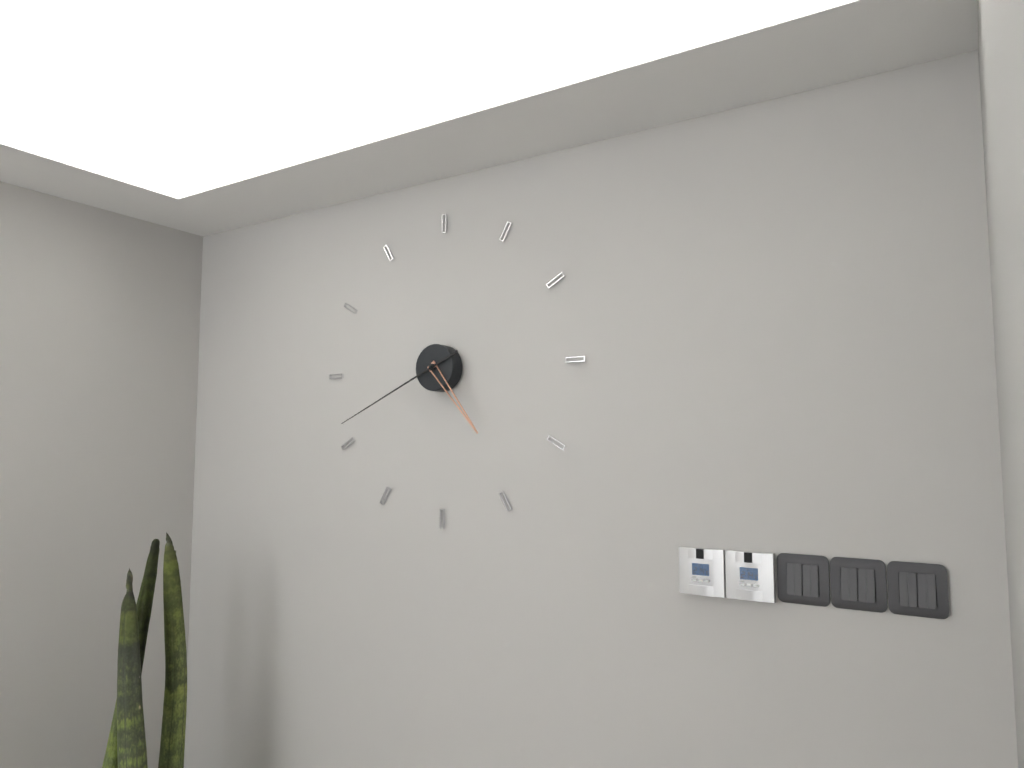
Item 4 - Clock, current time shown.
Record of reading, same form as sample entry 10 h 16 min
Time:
4 h 41 min
